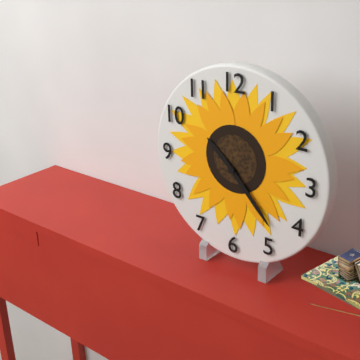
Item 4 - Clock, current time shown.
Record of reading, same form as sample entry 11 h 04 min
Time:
10 h 23 min
